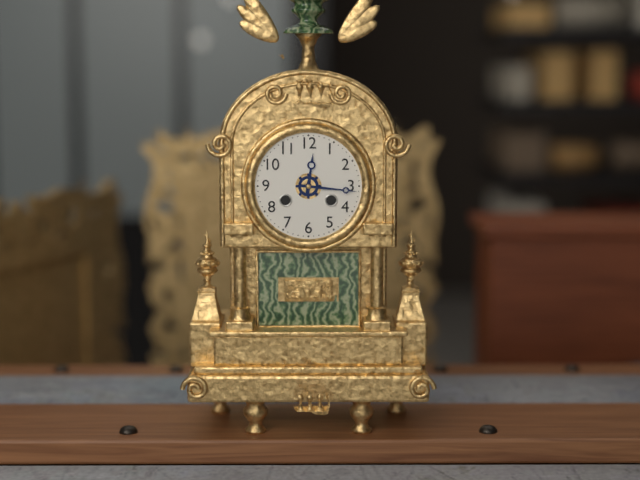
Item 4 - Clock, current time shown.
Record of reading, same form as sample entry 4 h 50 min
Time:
12 h 16 min
